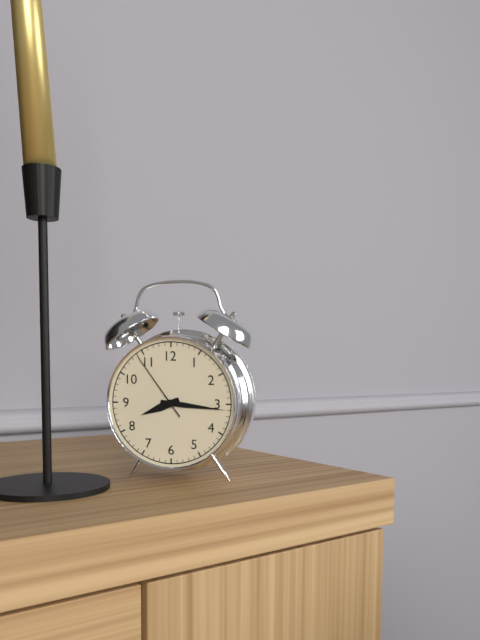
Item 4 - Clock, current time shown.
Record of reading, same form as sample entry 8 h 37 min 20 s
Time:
8 h 16 min 54 s
